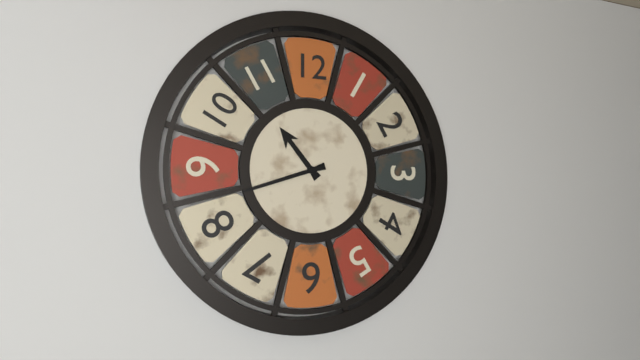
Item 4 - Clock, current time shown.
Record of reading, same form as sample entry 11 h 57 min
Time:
10 h 42 min
